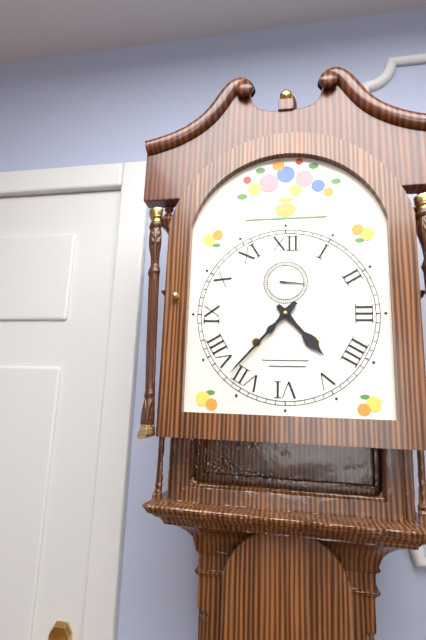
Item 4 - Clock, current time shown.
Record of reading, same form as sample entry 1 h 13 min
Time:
4 h 37 min
